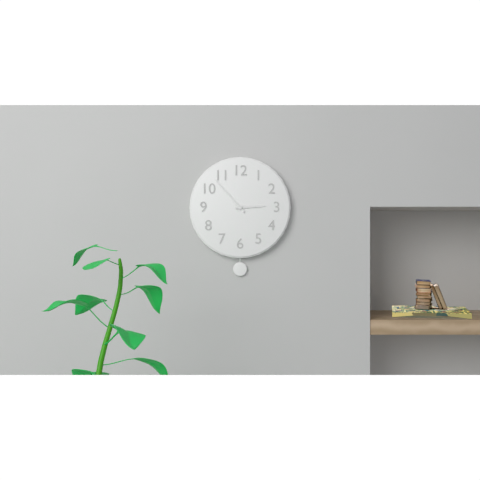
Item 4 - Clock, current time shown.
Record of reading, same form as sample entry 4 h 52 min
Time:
2 h 53 min
